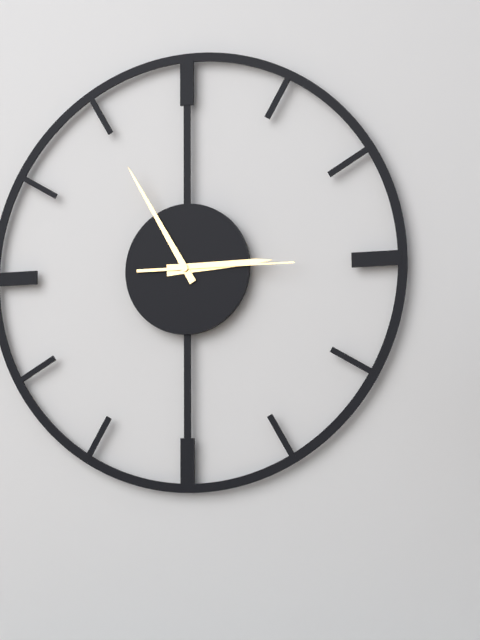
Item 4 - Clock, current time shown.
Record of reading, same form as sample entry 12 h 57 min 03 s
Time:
2 h 55 min 15 s
